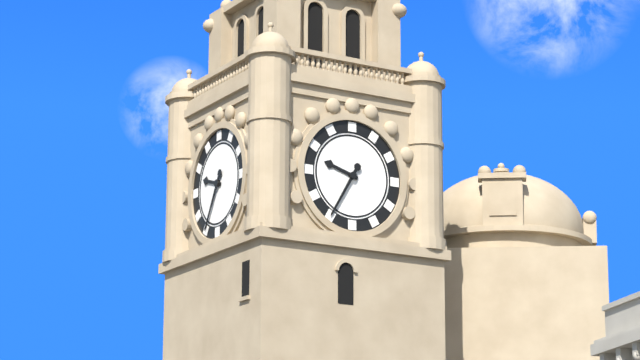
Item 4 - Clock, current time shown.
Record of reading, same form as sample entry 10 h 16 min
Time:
9 h 35 min
